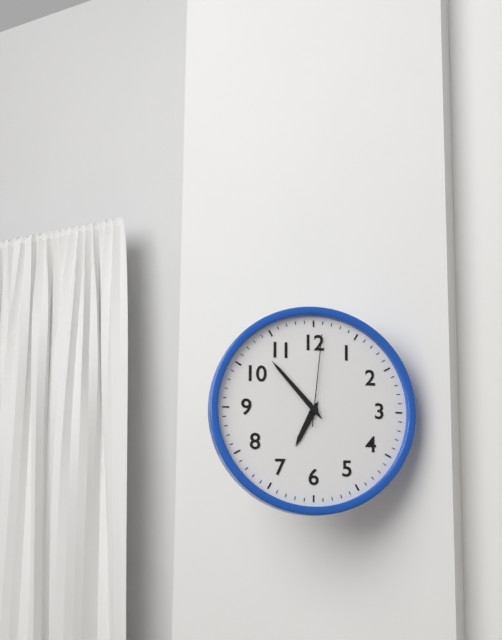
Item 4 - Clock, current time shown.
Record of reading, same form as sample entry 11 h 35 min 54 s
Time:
6 h 53 min 01 s
